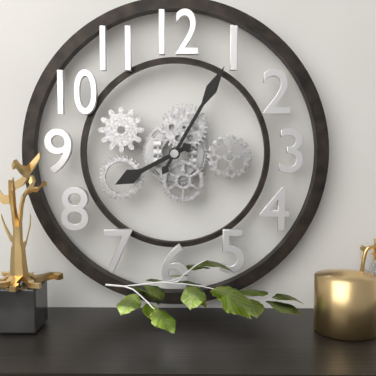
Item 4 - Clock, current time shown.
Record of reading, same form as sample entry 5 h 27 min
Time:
8 h 05 min
